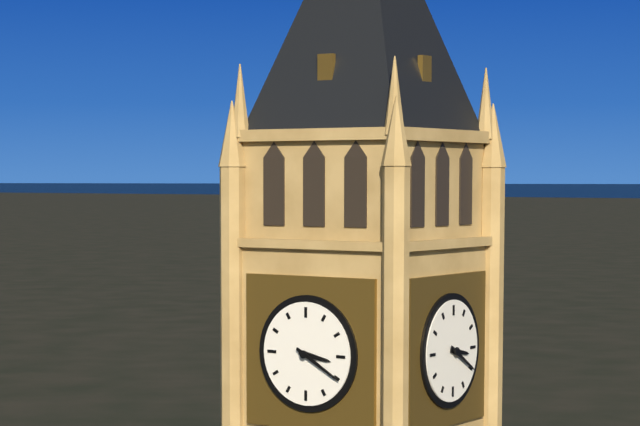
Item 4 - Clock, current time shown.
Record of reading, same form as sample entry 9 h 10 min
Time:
3 h 20 min
